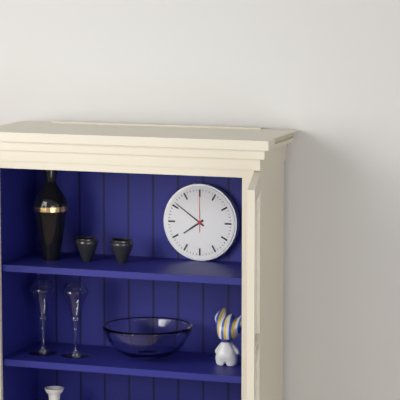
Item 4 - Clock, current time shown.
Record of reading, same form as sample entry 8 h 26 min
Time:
7 h 51 min
